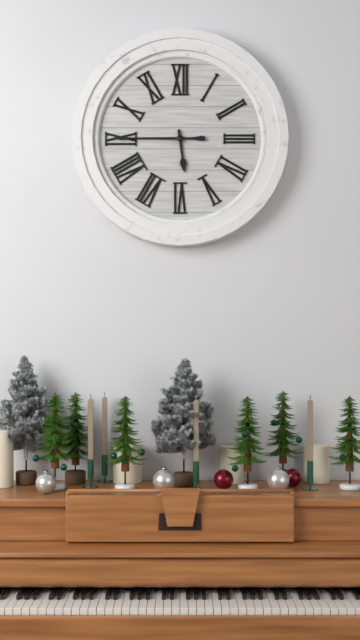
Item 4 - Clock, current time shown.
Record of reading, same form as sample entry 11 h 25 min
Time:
5 h 45 min
